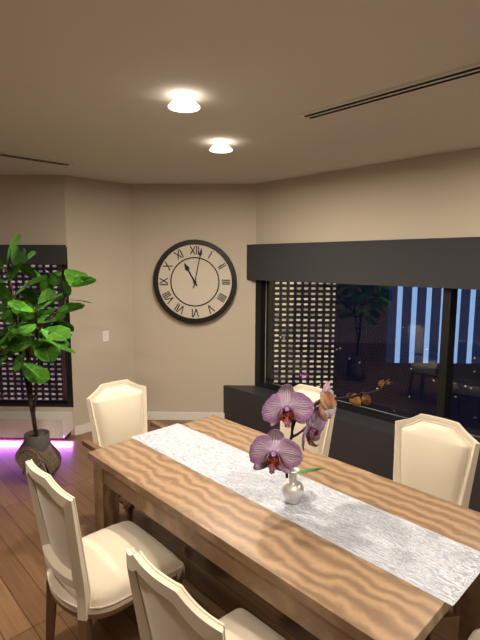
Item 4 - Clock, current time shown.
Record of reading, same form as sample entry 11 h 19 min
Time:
11 h 02 min
